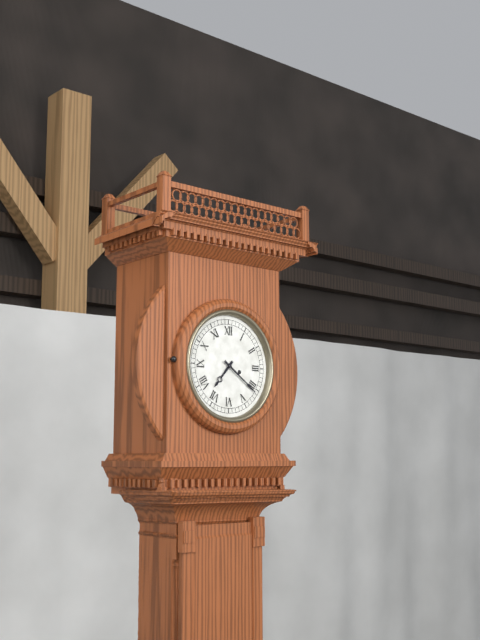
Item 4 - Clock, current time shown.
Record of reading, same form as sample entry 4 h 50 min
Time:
7 h 21 min
